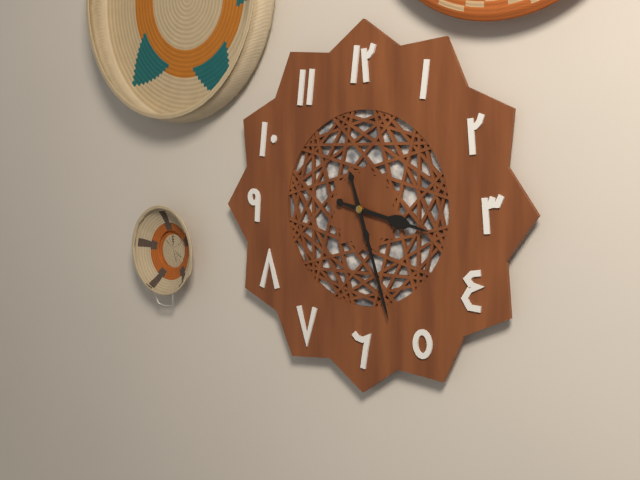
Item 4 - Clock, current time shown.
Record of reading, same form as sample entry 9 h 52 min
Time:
3 h 27 min
